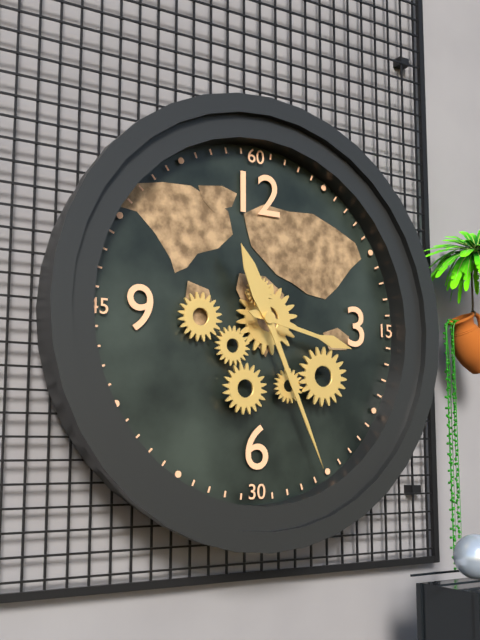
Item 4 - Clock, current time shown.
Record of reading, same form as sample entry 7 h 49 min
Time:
3 h 26 min
